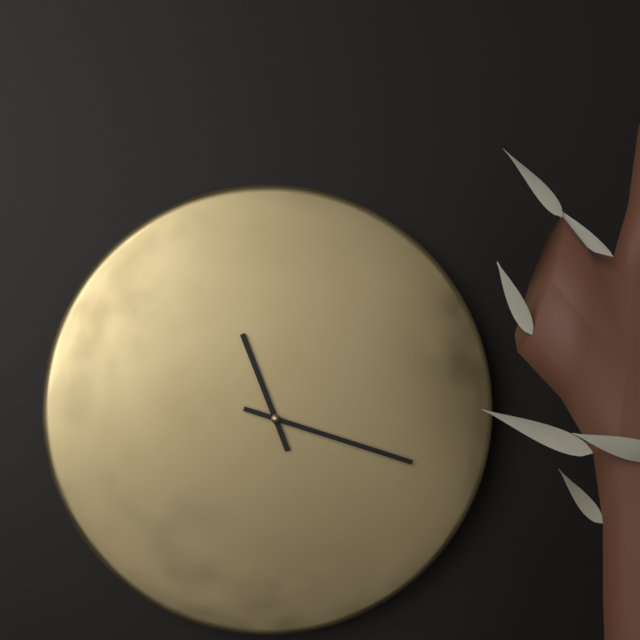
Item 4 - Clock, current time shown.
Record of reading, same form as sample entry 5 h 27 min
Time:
11 h 18 min
